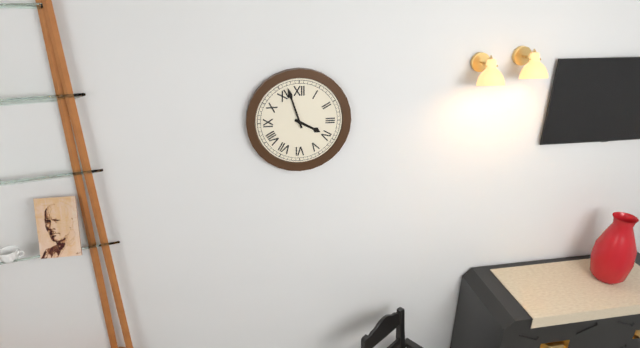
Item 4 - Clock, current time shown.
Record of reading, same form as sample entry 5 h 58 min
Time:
3 h 57 min
